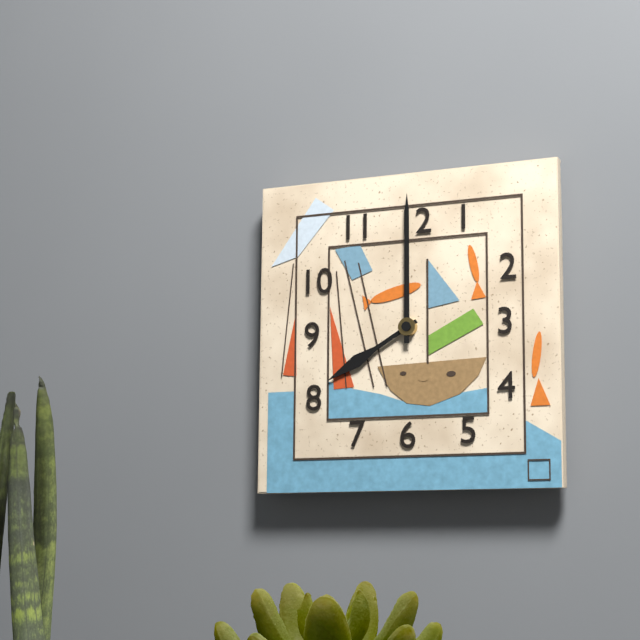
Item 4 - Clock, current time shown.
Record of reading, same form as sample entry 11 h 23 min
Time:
8 h 00 min
